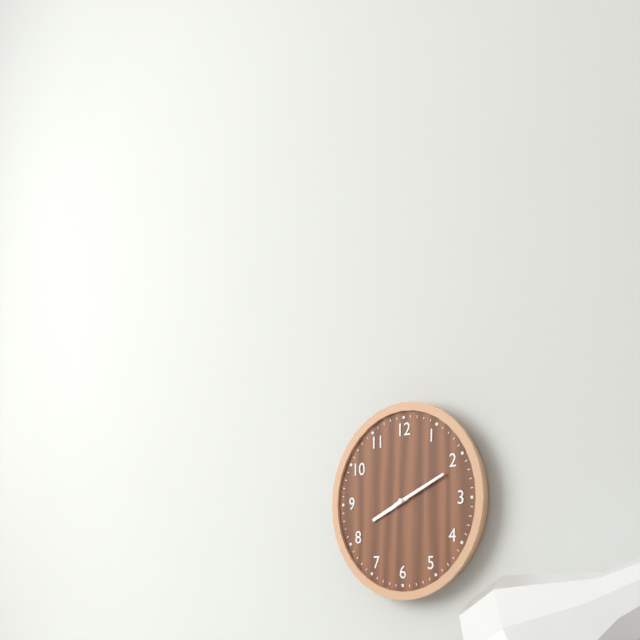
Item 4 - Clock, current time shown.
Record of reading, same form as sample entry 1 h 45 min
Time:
8 h 11 min
